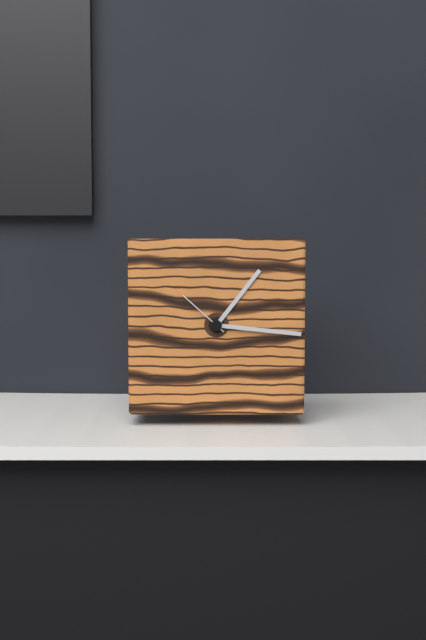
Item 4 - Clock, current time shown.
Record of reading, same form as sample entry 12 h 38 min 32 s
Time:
1 h 16 min 52 s
